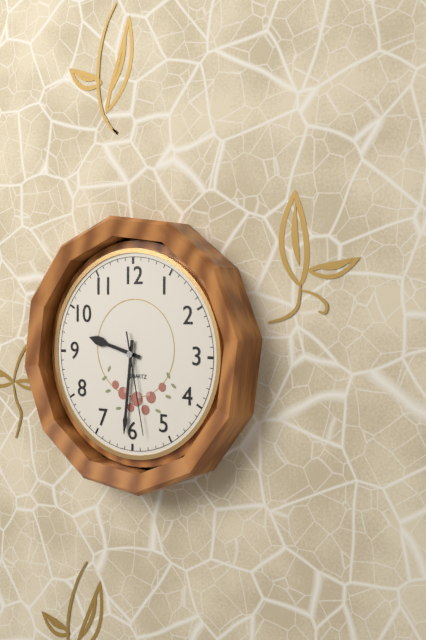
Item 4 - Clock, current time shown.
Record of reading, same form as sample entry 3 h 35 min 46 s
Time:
9 h 31 min 28 s
